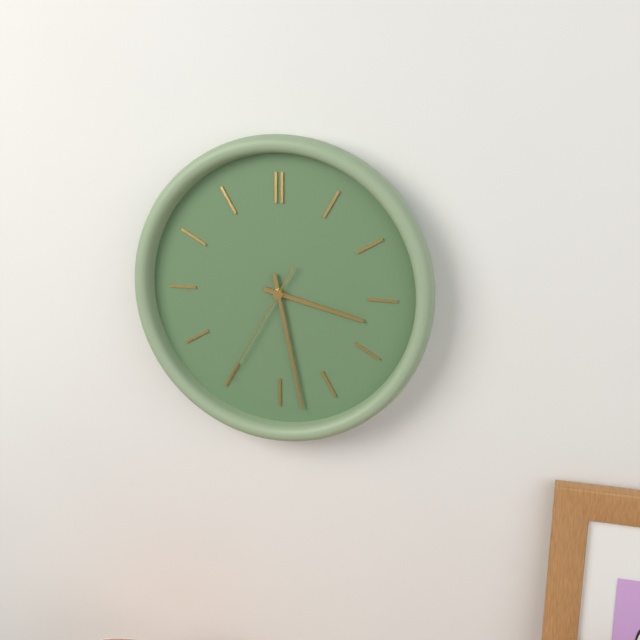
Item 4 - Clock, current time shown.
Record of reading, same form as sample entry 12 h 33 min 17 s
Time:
3 h 28 min 35 s
